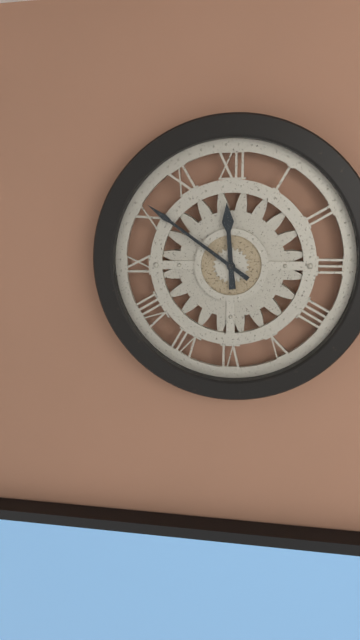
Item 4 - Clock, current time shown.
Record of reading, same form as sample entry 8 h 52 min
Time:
11 h 51 min
